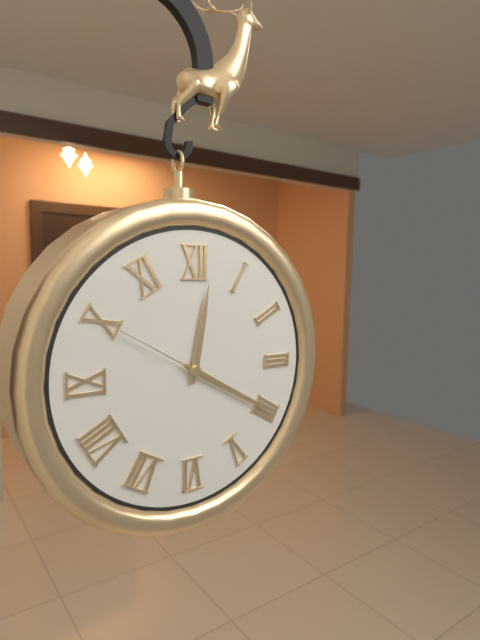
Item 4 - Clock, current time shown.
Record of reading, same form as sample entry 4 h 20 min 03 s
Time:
12 h 20 min 50 s
